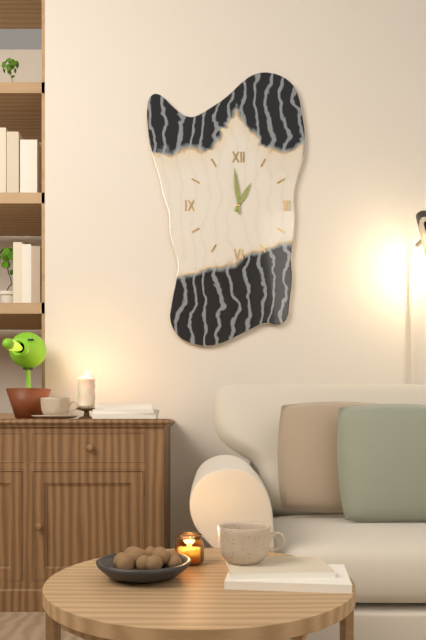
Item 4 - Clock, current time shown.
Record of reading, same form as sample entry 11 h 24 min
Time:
12 h 59 min
